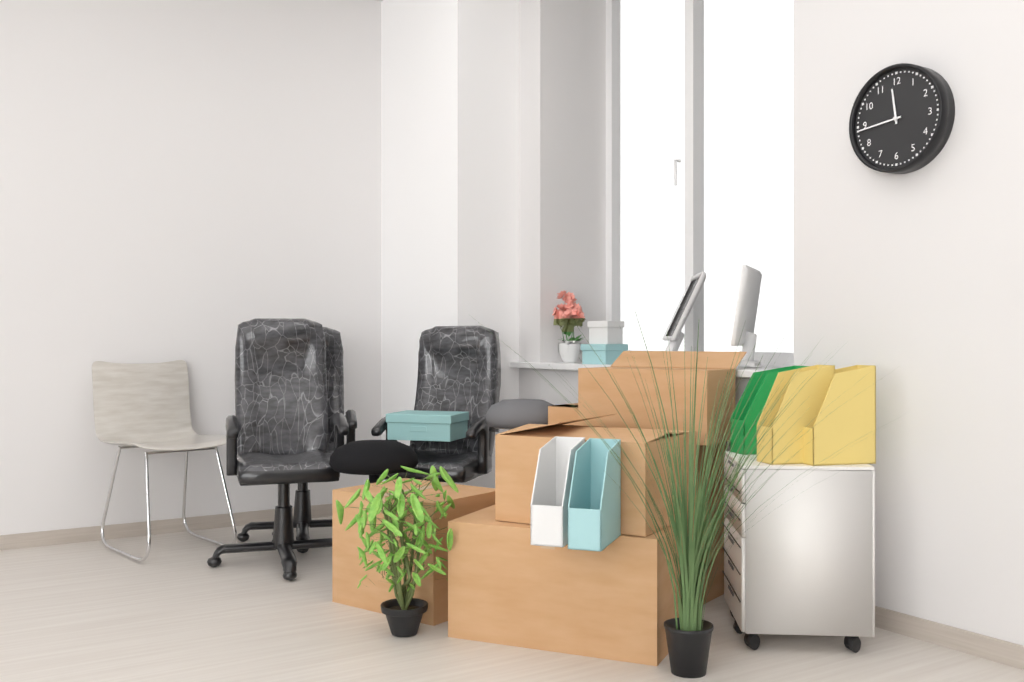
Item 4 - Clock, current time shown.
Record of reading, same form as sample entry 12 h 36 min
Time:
11 h 44 min
